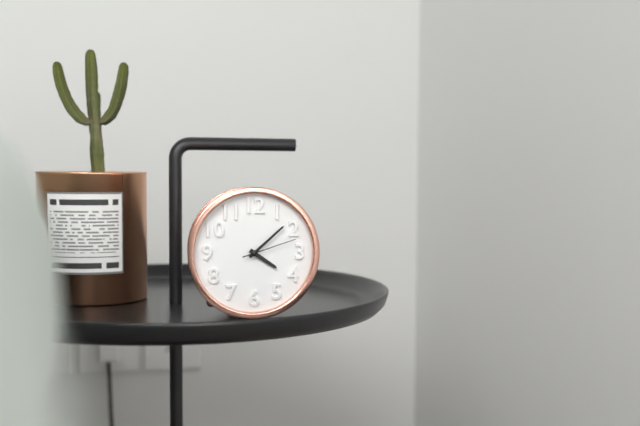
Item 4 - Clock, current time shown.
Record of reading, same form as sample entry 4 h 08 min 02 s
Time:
4 h 08 min 12 s
